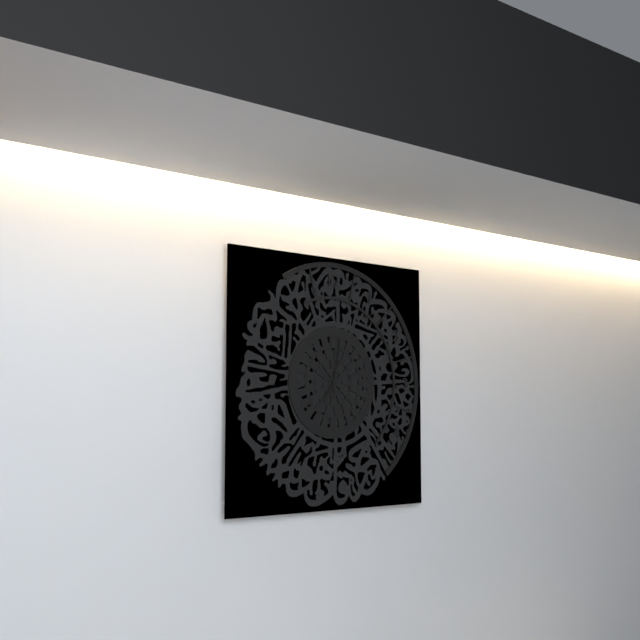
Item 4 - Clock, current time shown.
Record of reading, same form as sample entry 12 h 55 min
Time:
7 h 02 min
